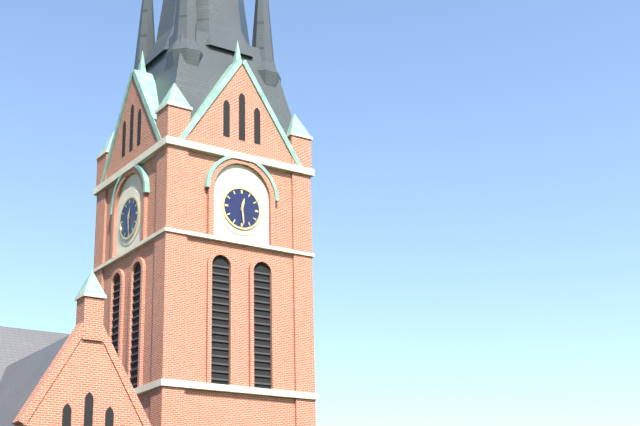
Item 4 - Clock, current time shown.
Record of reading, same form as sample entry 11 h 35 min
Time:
12 h 29 min
